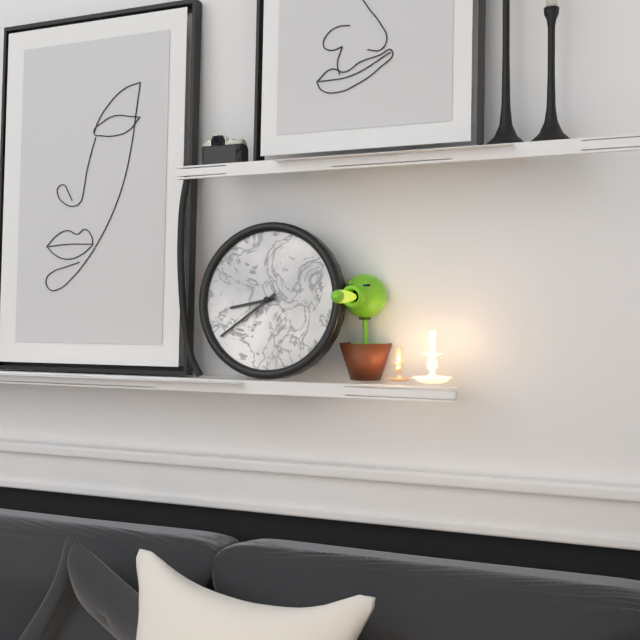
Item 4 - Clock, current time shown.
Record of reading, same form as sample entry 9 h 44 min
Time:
8 h 39 min
